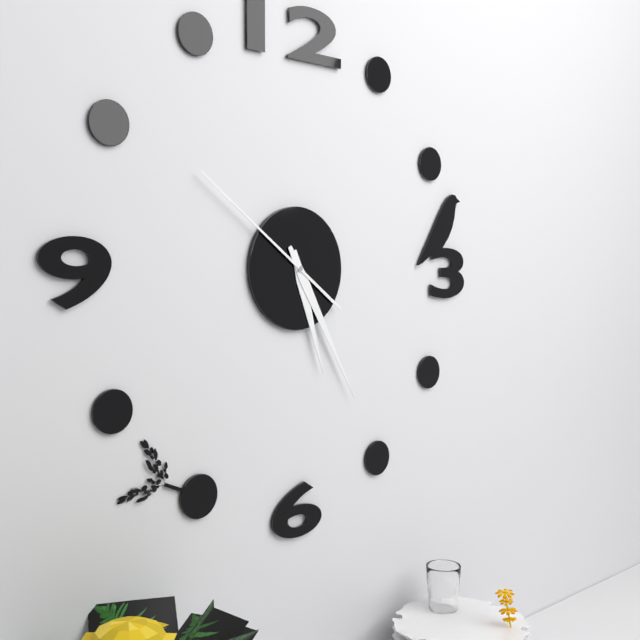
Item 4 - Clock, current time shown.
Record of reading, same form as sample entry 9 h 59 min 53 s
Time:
5 h 25 min 51 s
